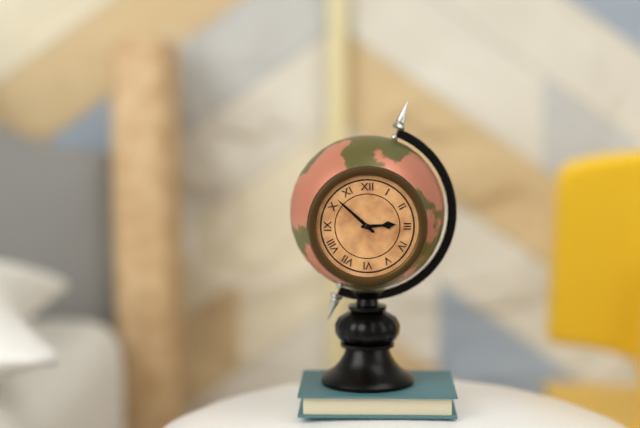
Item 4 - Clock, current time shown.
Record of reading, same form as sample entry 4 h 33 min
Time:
2 h 52 min
